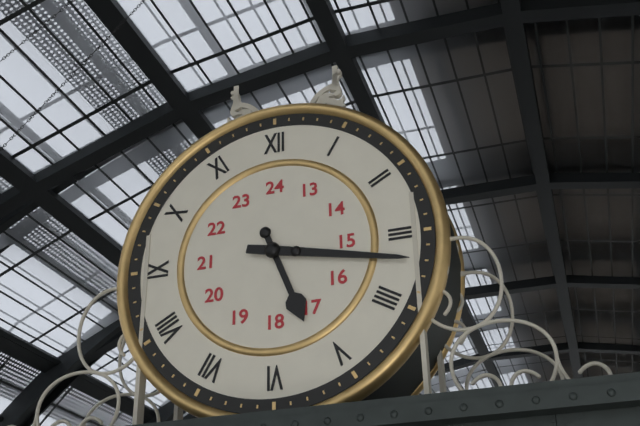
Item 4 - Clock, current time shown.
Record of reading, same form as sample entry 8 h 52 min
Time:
5 h 17 min
